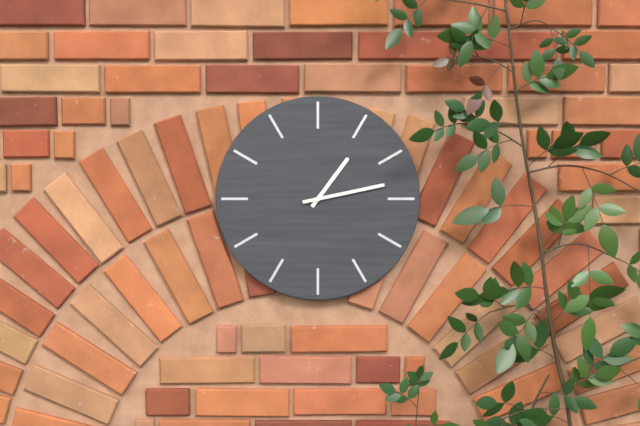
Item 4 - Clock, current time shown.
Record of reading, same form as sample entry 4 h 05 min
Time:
1 h 13 min
